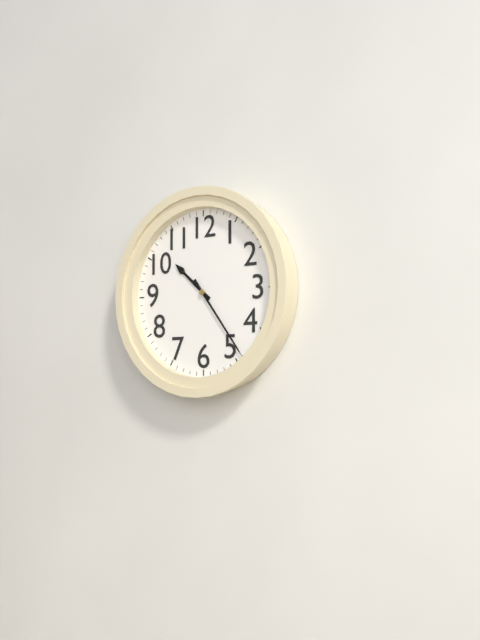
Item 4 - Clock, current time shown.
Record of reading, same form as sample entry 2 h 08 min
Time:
10 h 24 min
